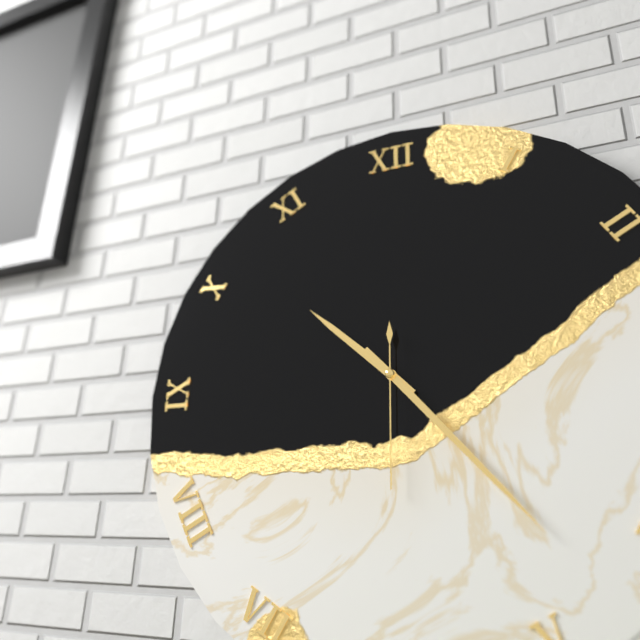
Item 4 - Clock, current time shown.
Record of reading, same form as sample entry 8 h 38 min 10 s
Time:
10 h 23 min 30 s
